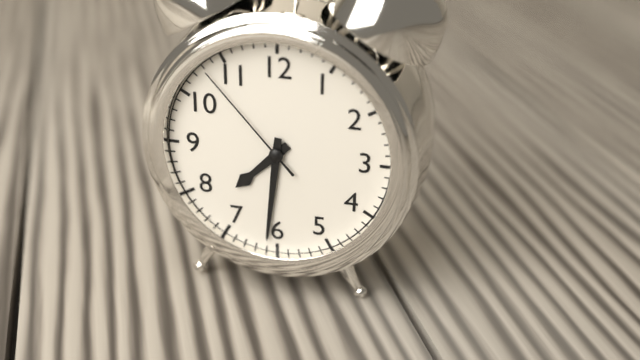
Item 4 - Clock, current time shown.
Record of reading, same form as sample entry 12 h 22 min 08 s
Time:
7 h 31 min 53 s
